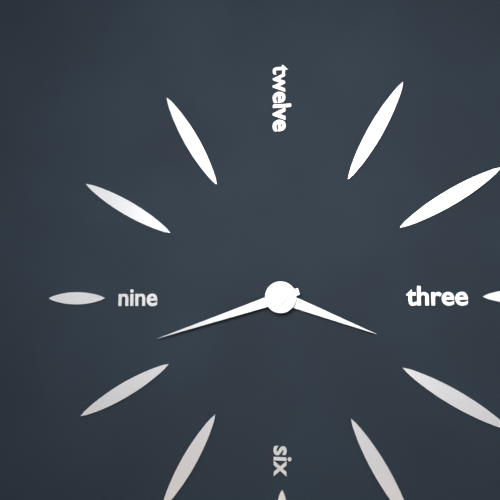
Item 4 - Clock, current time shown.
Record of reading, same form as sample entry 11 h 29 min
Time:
3 h 42 min
